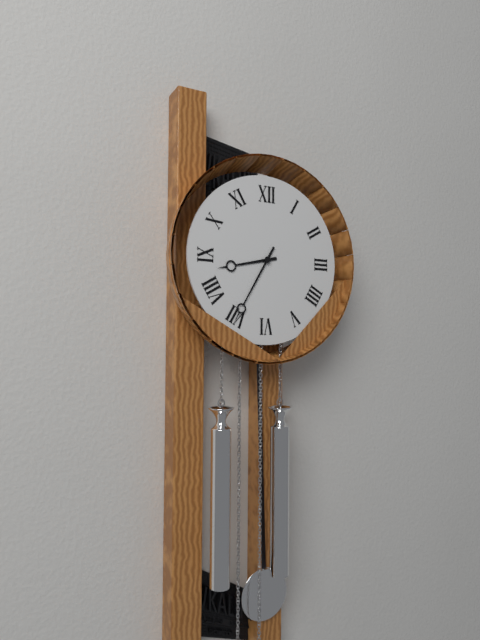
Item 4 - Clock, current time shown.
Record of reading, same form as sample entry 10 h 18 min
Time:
8 h 35 min
